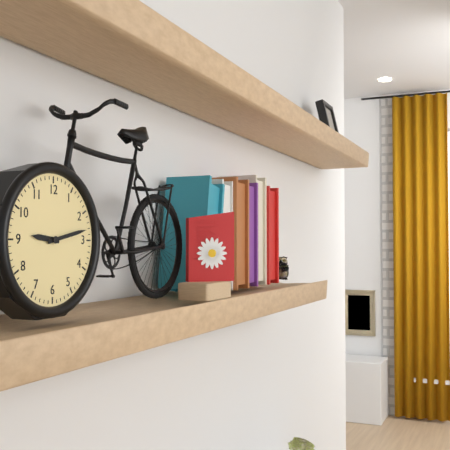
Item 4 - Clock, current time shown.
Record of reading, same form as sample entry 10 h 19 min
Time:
9 h 13 min
